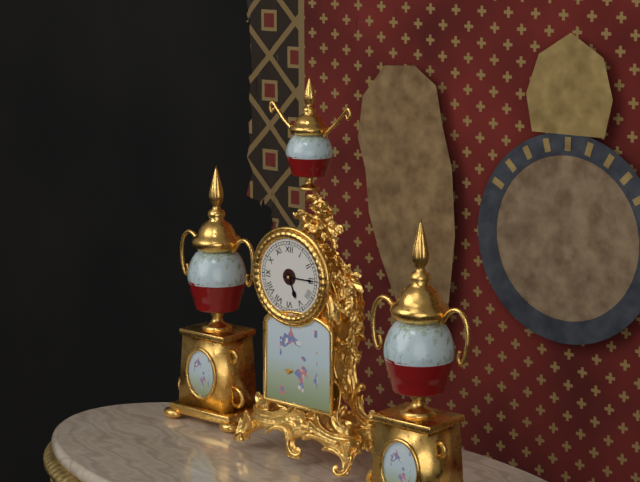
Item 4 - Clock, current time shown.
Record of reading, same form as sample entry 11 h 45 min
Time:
5 h 15 min
